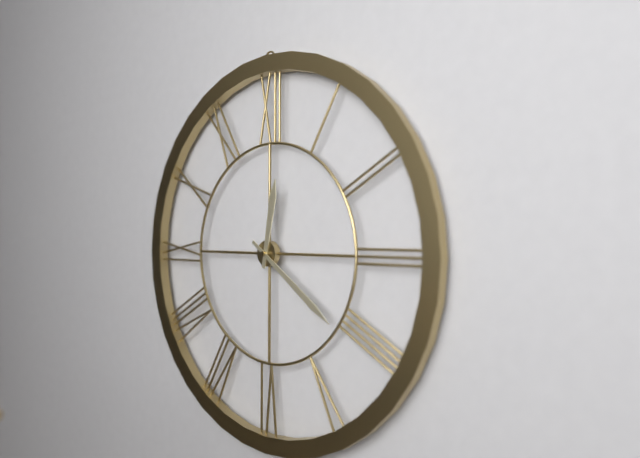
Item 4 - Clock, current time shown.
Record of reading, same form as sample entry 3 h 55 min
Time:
12 h 21 min
